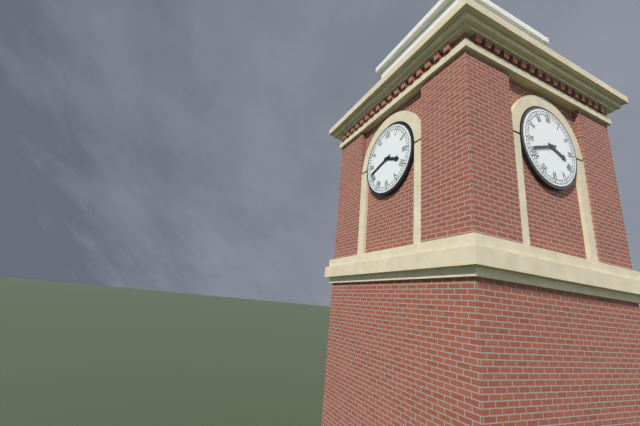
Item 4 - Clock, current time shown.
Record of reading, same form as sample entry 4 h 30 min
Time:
3 h 42 min
